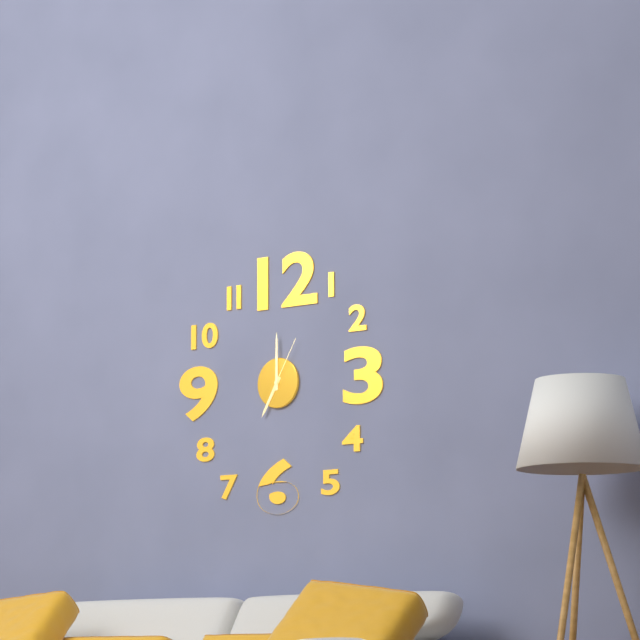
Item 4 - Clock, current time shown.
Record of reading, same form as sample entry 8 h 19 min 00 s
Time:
7 h 00 min 05 s
